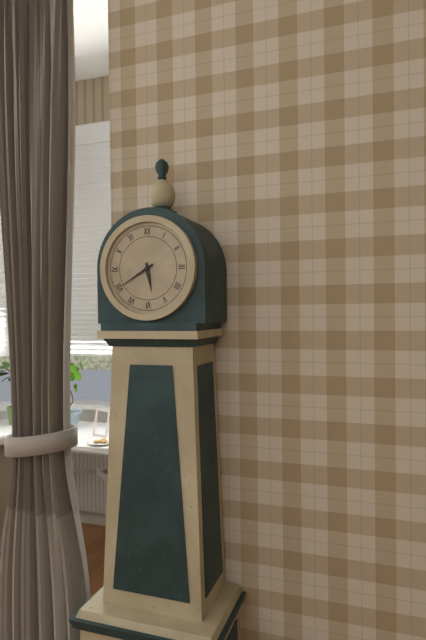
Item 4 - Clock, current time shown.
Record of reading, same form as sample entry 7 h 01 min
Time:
5 h 40 min
